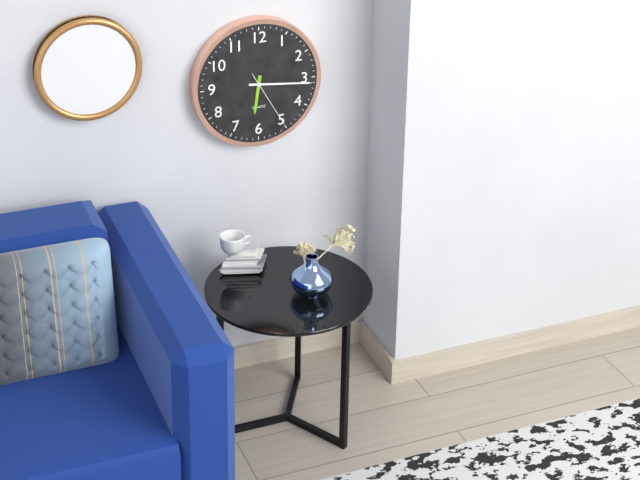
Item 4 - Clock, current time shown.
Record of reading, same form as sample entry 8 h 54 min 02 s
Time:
6 h 16 min 25 s
